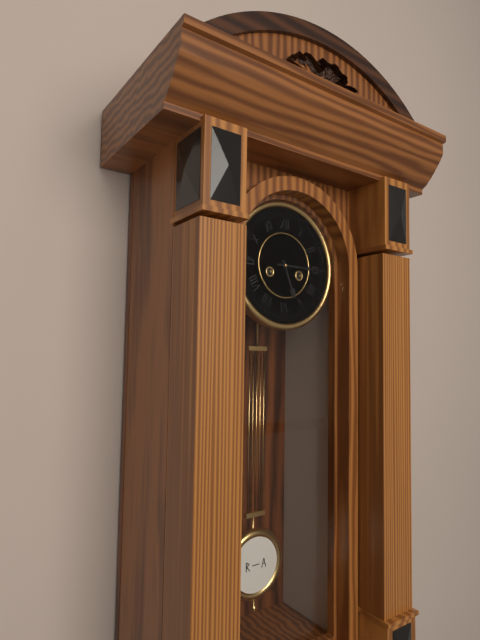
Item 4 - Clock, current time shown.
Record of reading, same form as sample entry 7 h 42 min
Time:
5 h 15 min
